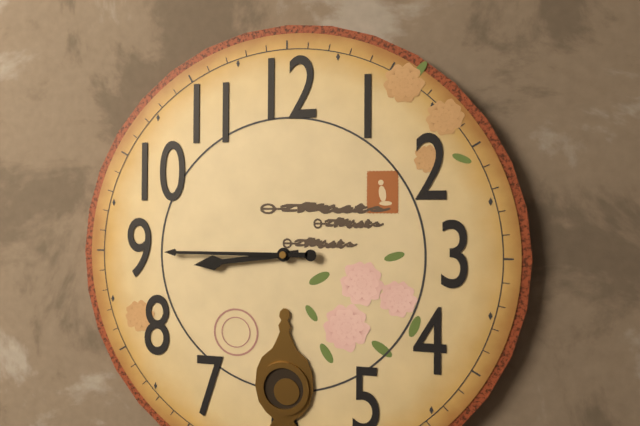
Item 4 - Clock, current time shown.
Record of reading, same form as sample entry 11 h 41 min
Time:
8 h 45 min
